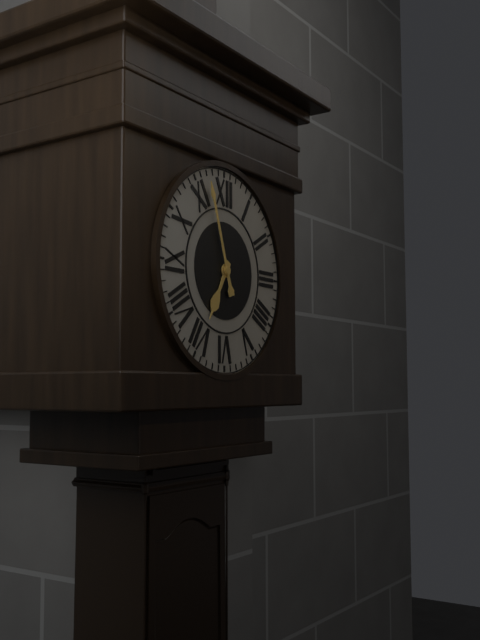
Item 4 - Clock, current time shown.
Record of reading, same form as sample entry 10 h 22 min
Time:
6 h 57 min
